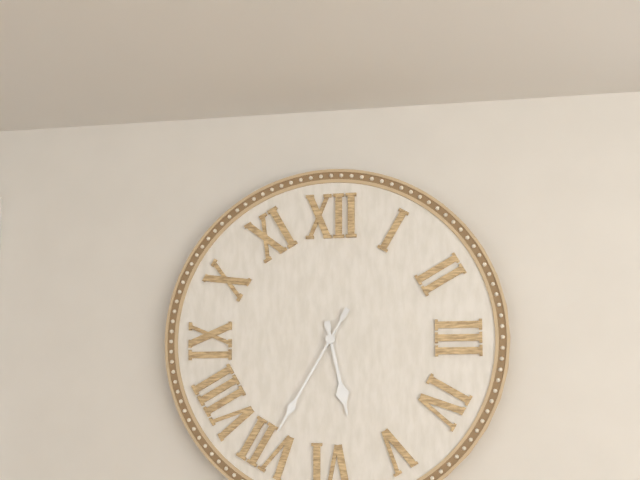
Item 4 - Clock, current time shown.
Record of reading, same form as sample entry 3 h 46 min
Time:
5 h 35 min
